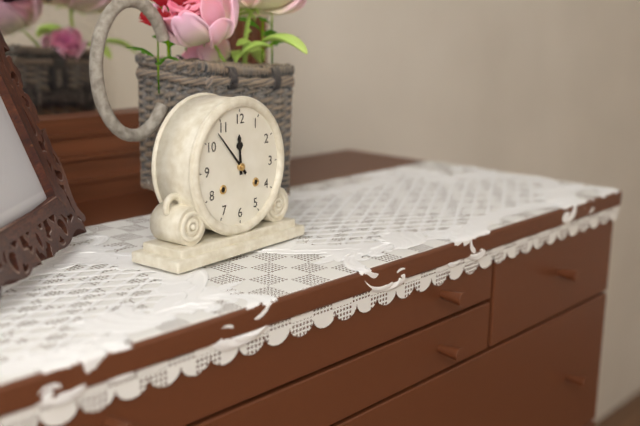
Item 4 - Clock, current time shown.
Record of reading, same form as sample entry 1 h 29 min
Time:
11 h 53 min
